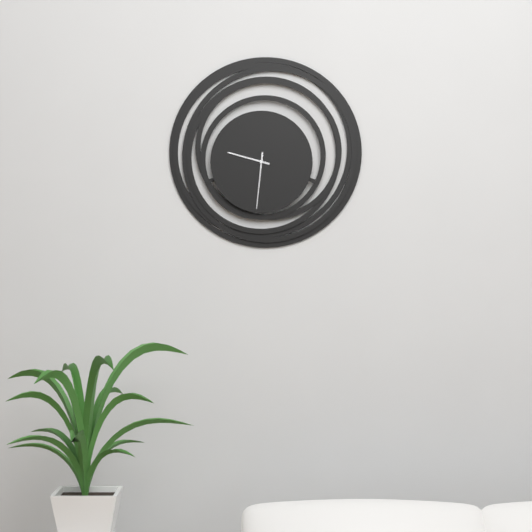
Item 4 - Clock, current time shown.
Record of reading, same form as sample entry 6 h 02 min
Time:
9 h 31 min
